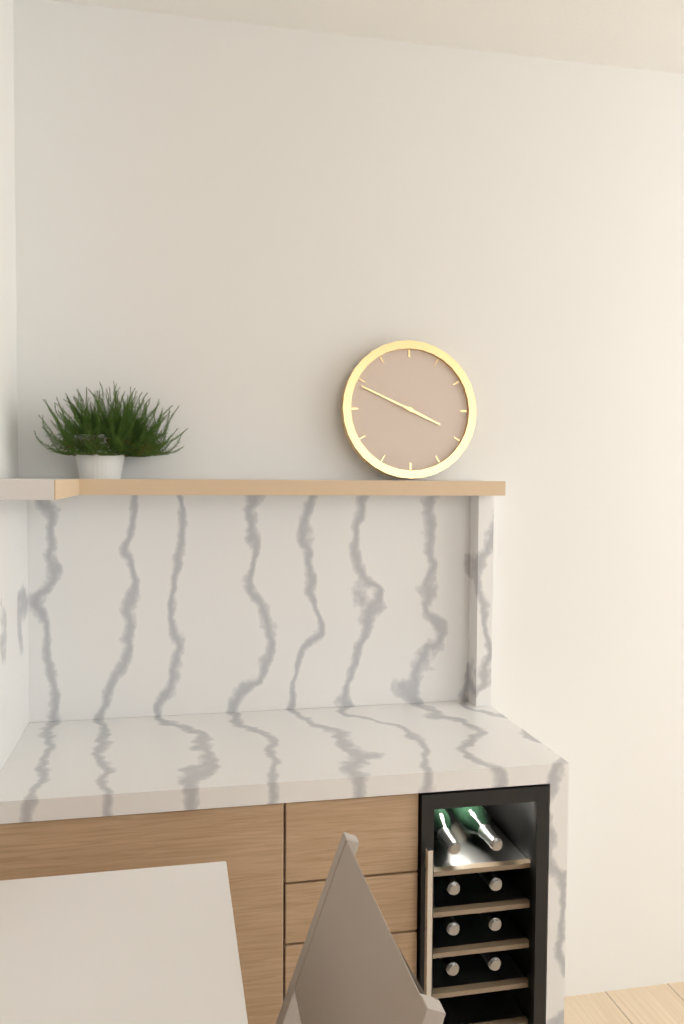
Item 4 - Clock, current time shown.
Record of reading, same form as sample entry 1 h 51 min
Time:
3 h 49 min
